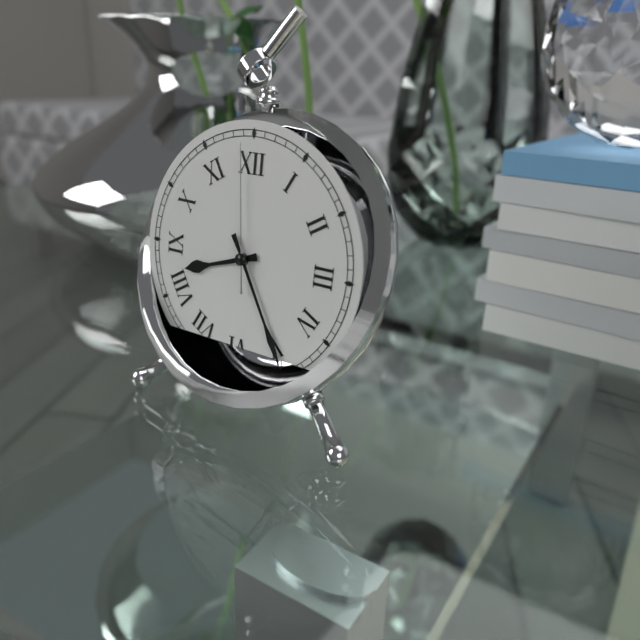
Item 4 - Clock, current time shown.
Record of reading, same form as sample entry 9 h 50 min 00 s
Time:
8 h 25 min 59 s
